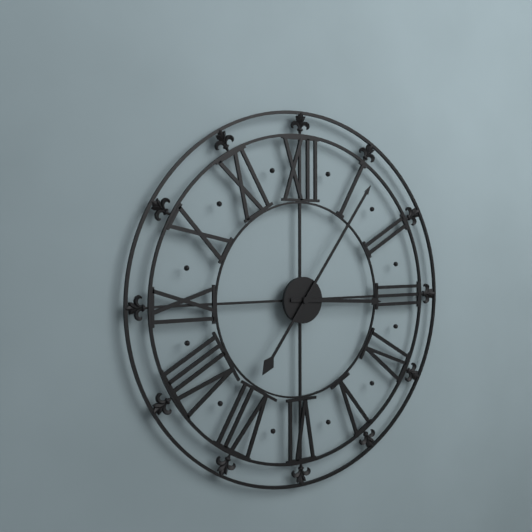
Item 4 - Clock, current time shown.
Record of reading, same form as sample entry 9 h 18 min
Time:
3 h 06 min
